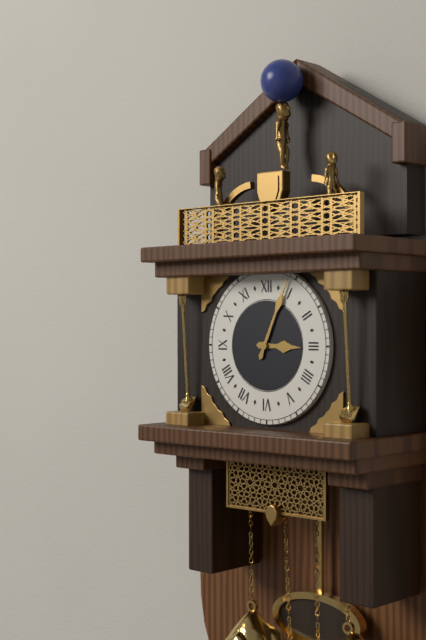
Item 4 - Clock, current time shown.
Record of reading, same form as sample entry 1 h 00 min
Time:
3 h 04 min
